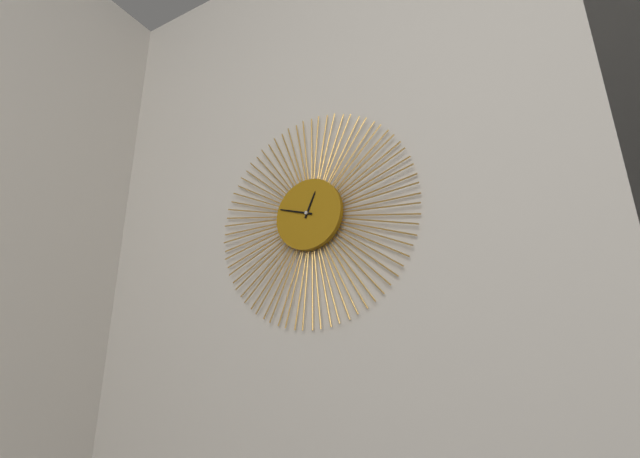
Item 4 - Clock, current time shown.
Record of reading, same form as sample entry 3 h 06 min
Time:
12 h 48 min
